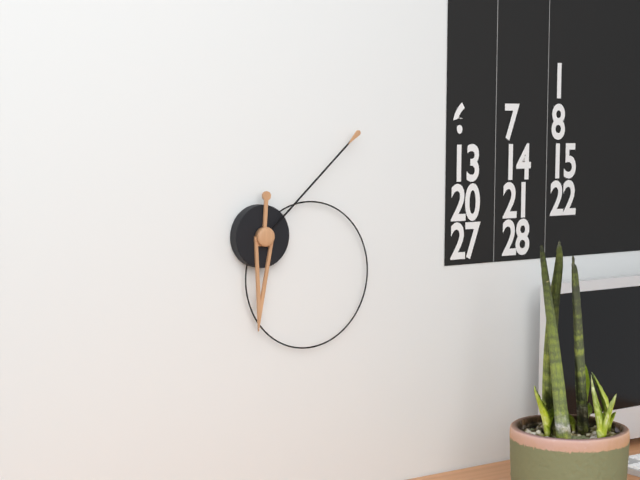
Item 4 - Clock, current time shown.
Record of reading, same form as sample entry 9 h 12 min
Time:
6 h 08 min
